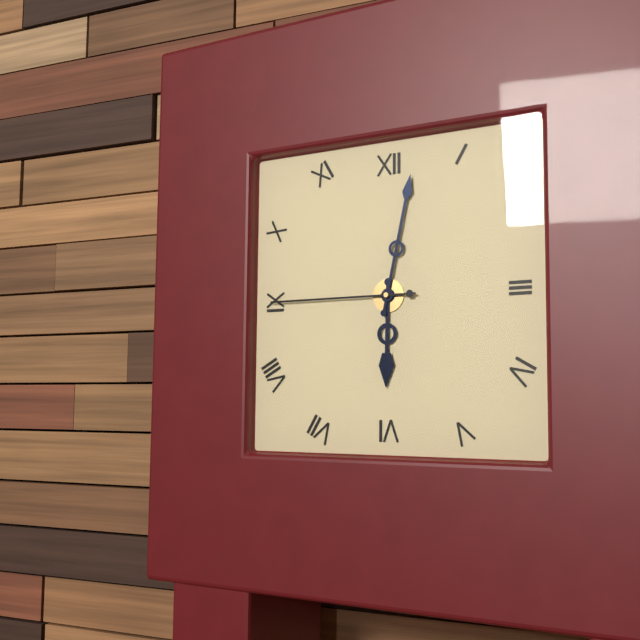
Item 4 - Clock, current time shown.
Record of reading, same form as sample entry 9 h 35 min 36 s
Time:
6 h 02 min 45 s
